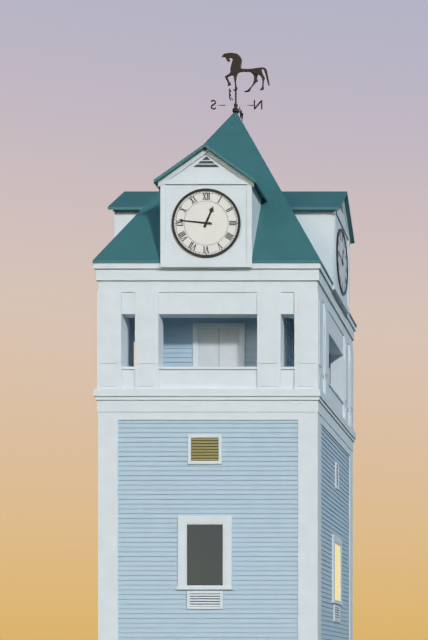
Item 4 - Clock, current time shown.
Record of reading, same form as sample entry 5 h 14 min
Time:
12 h 46 min
